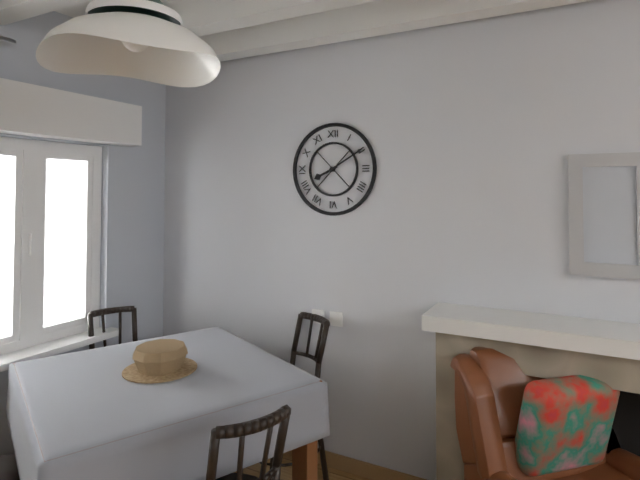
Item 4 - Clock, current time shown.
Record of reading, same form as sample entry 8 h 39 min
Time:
8 h 10 min
